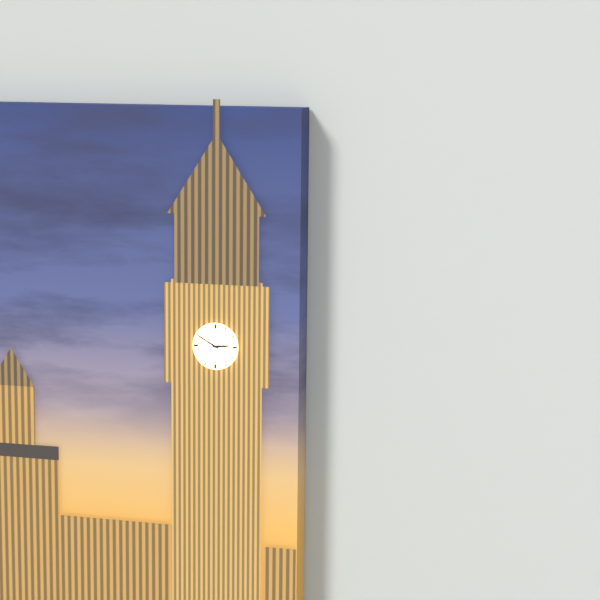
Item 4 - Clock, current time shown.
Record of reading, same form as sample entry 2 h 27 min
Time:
2 h 50 min
